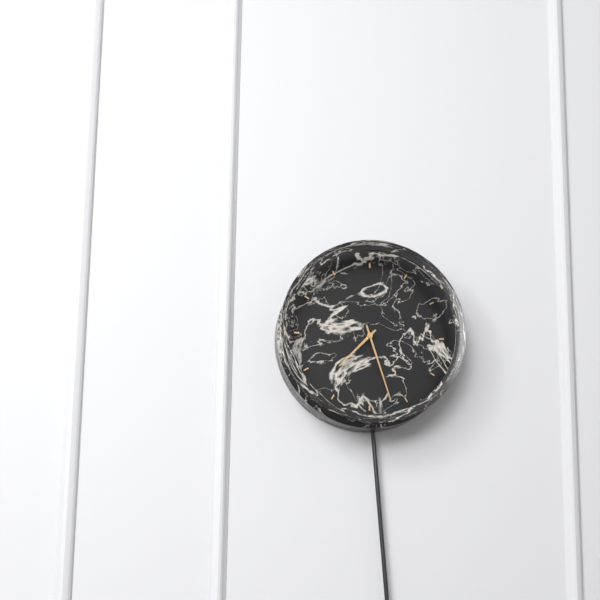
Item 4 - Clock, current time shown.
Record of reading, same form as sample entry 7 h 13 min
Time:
7 h 27 min
